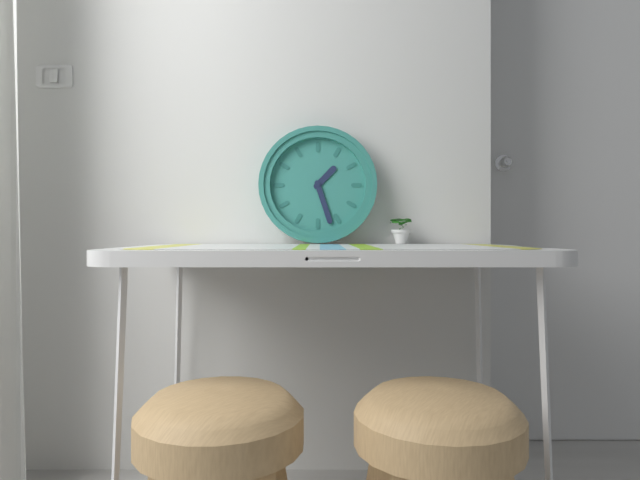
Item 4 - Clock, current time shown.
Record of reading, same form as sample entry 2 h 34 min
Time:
1 h 27 min
